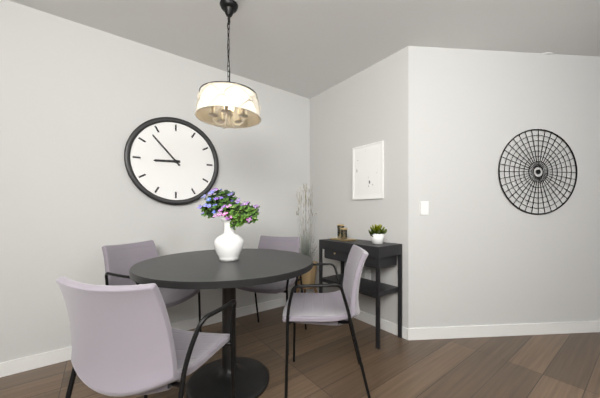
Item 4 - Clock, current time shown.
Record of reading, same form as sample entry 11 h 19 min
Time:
8 h 53 min
